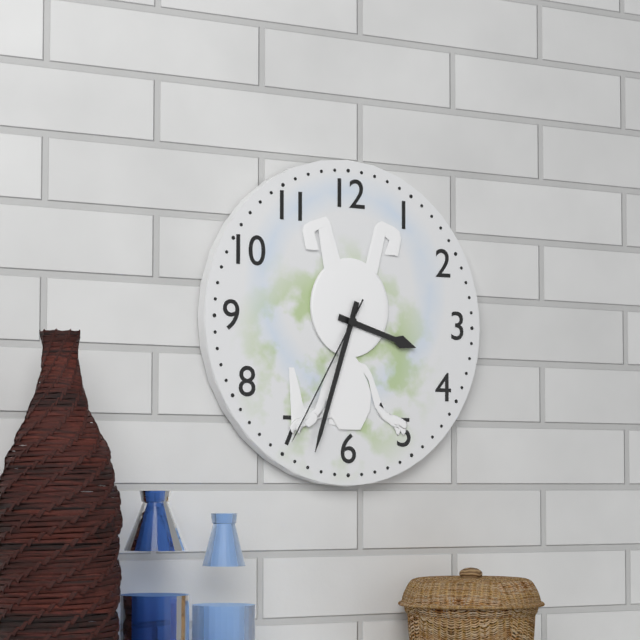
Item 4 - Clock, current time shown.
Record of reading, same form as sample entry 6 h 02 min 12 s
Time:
3 h 33 min 35 s
